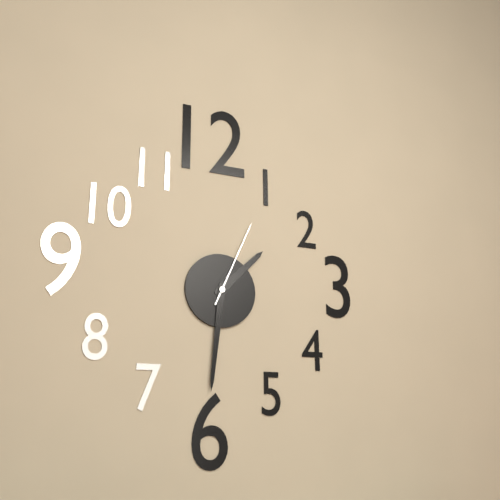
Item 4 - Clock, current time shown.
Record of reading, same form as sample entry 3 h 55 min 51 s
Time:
1 h 31 min 04 s
